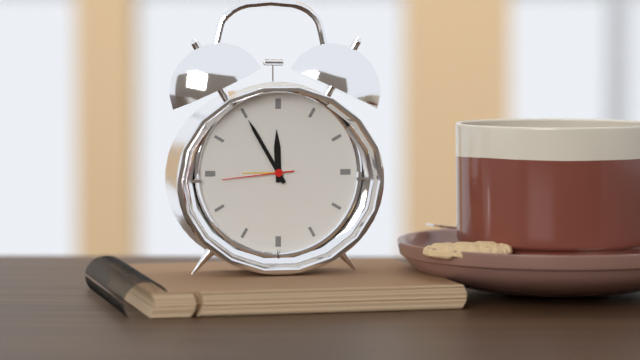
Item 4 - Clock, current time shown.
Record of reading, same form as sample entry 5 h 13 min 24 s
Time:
11 h 55 min 44 s
